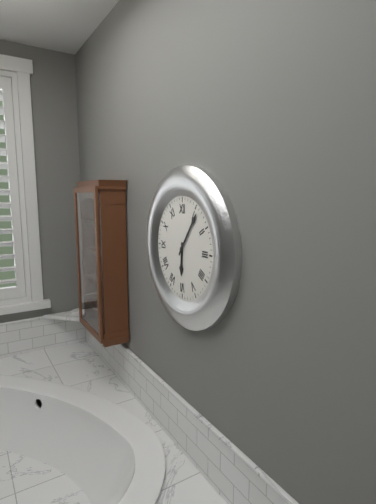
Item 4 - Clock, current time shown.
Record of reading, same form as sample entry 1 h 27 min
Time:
6 h 06 min
